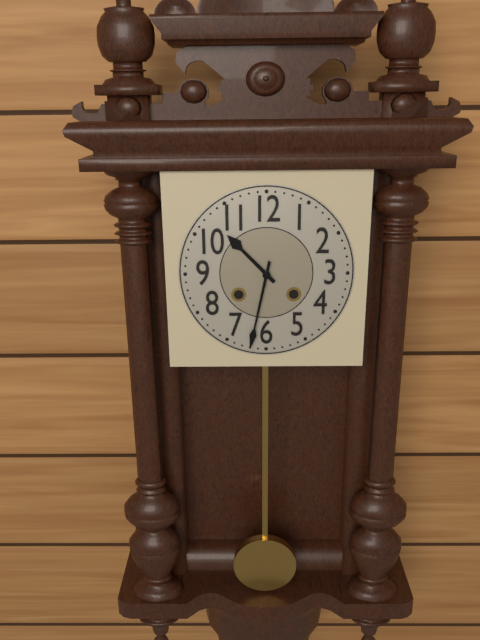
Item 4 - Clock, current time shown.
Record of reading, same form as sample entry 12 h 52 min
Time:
10 h 32 min
